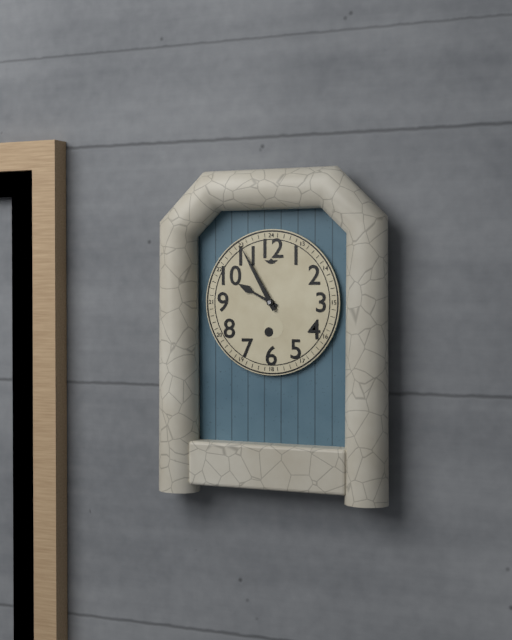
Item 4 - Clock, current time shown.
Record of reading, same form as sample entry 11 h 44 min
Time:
9 h 55 min
